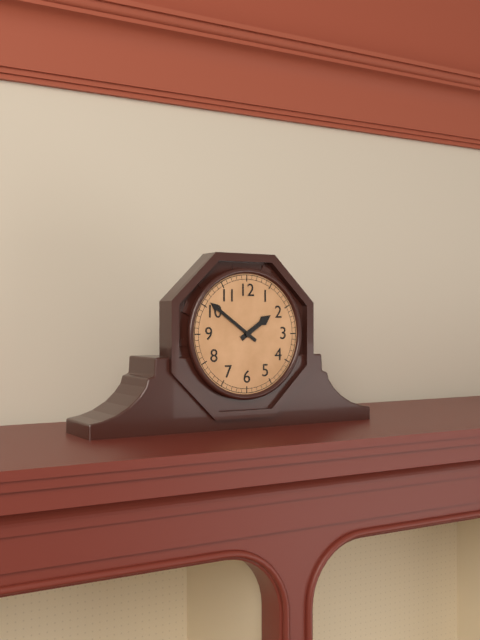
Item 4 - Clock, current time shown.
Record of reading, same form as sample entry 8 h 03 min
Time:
1 h 51 min
